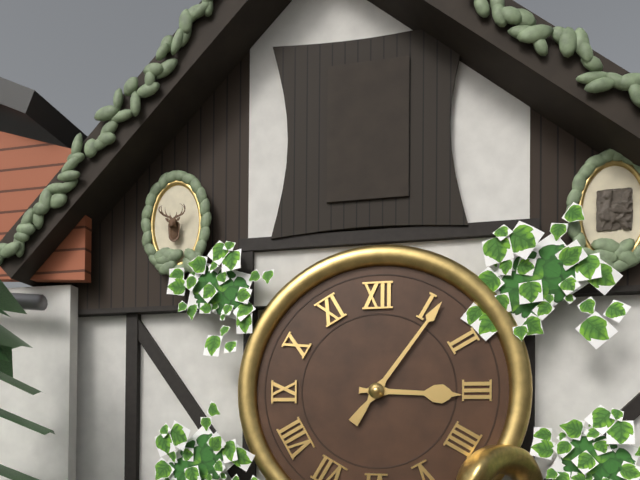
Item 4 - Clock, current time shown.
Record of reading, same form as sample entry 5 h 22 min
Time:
3 h 06 min
